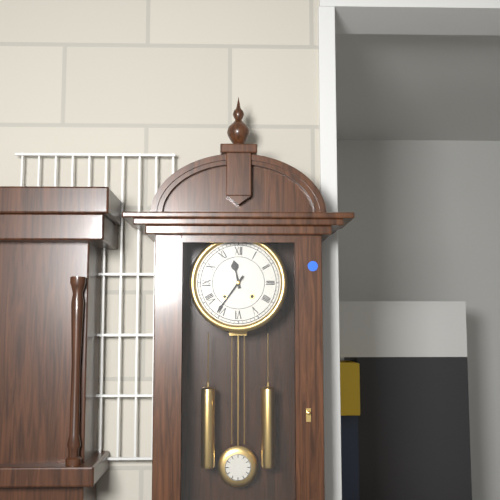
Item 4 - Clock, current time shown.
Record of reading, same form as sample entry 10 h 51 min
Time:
11 h 36 min
